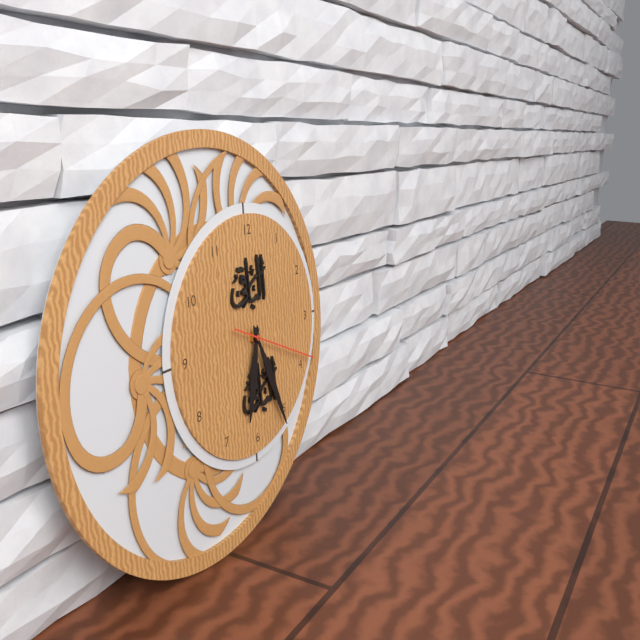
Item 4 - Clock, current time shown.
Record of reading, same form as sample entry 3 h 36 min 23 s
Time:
6 h 26 min 19 s
